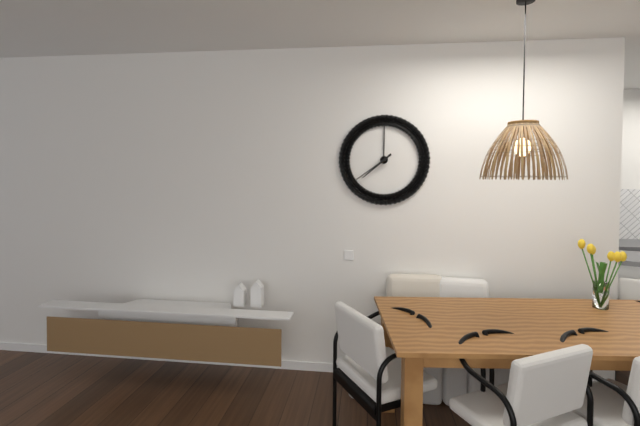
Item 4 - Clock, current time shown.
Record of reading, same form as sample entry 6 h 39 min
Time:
7 h 39 min
